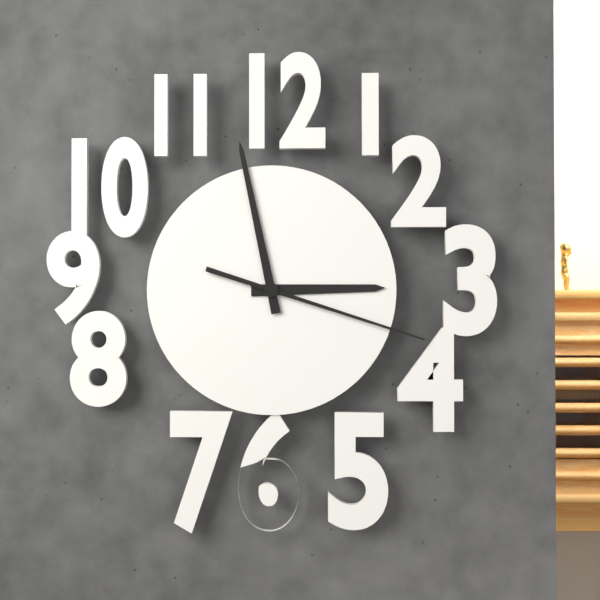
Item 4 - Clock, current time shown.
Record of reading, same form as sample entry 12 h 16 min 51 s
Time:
2 h 58 min 18 s
